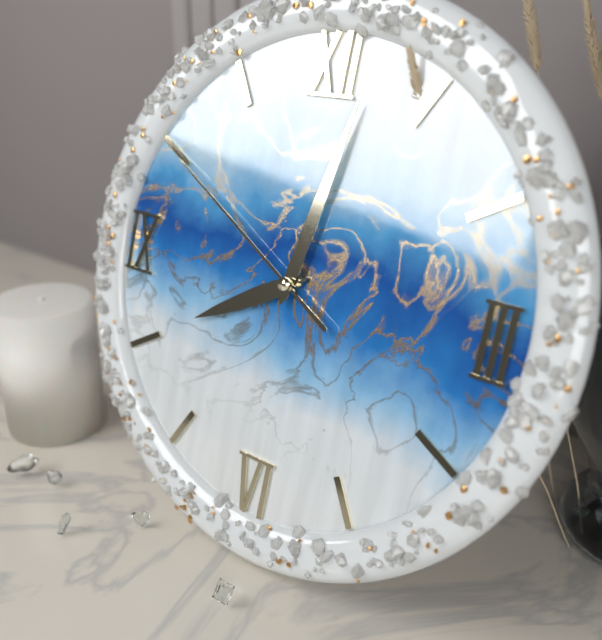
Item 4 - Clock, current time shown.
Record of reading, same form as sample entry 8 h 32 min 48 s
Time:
8 h 02 min 50 s
